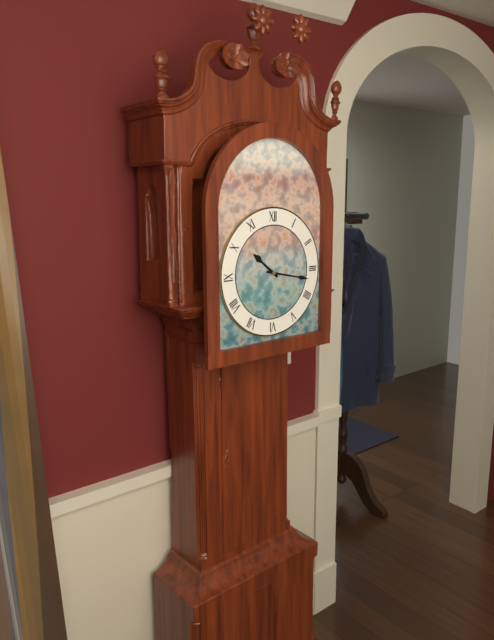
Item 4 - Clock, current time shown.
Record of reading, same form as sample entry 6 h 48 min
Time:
10 h 17 min
